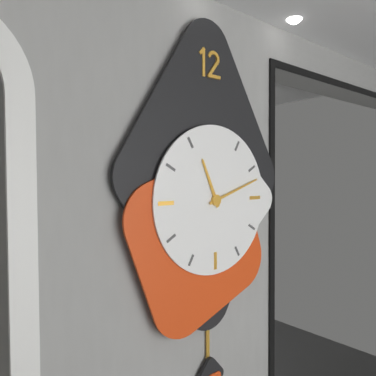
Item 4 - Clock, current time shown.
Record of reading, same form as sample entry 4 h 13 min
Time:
11 h 12 min
